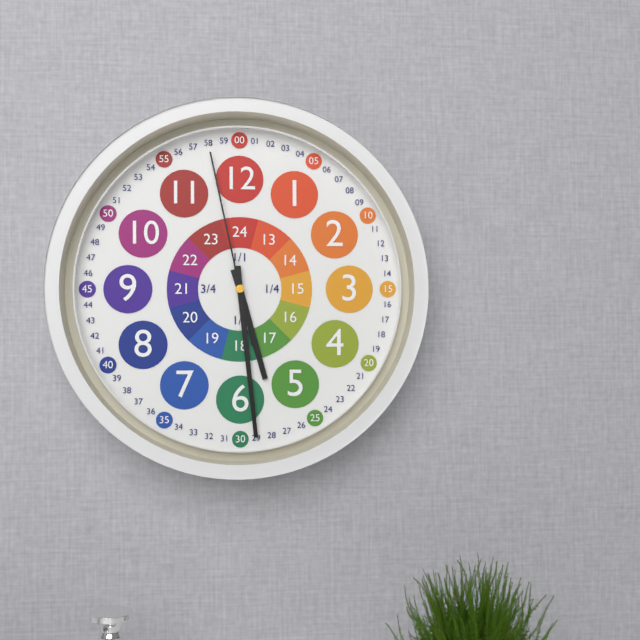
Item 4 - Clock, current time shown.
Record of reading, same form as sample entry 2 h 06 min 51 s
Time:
5 h 29 min 58 s
